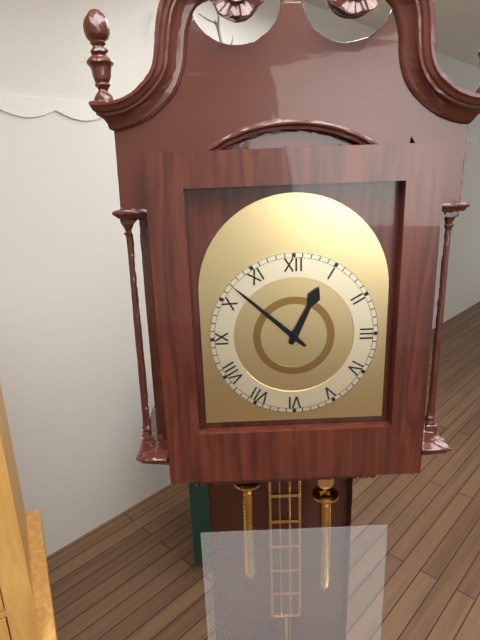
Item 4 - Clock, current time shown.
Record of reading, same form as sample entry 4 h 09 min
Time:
12 h 52 min
